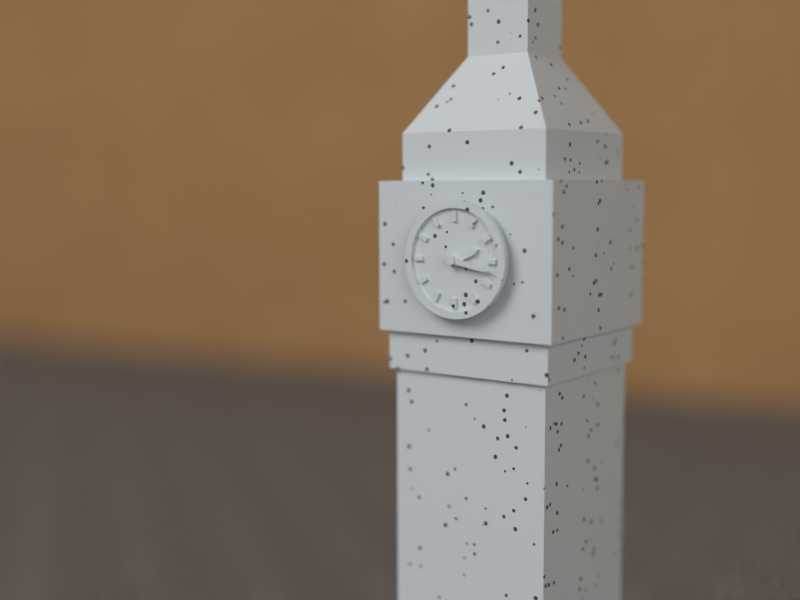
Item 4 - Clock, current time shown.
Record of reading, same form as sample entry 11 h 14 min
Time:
2 h 17 min
